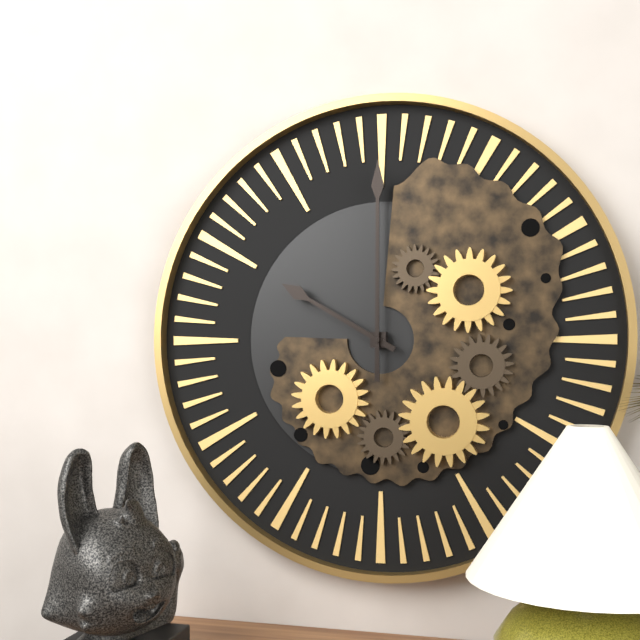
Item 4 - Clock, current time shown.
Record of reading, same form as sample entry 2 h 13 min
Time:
10 h 00 min
